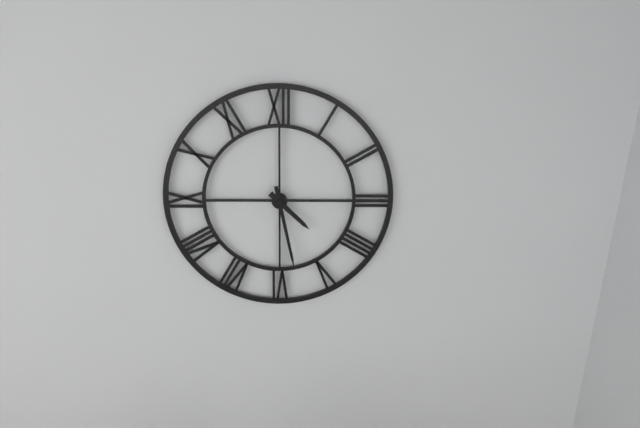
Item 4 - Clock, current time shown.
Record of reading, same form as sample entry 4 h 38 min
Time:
4 h 28 min
